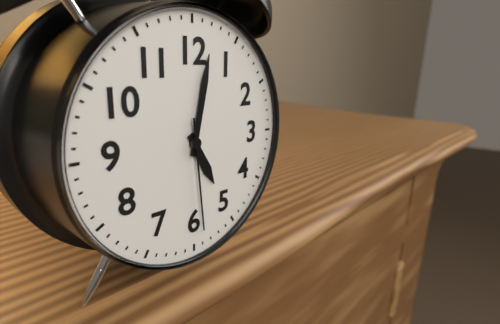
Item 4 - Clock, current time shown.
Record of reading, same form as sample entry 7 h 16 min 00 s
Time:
5 h 02 min 29 s
